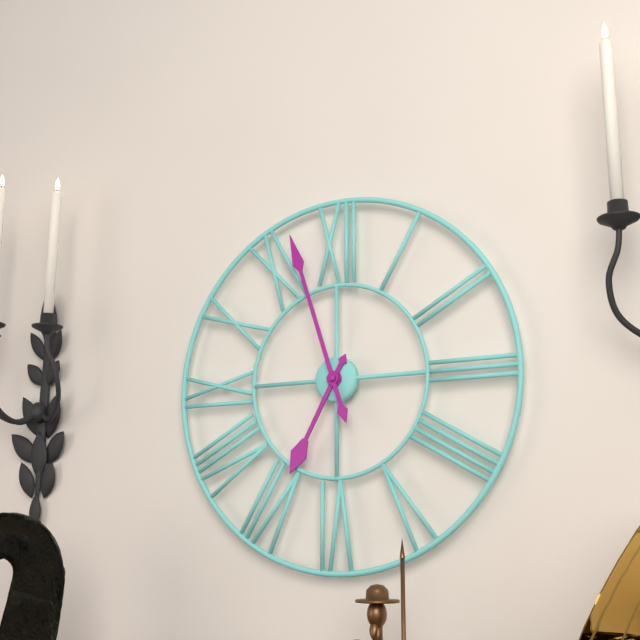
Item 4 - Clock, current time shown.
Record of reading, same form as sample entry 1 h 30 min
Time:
6 h 57 min
